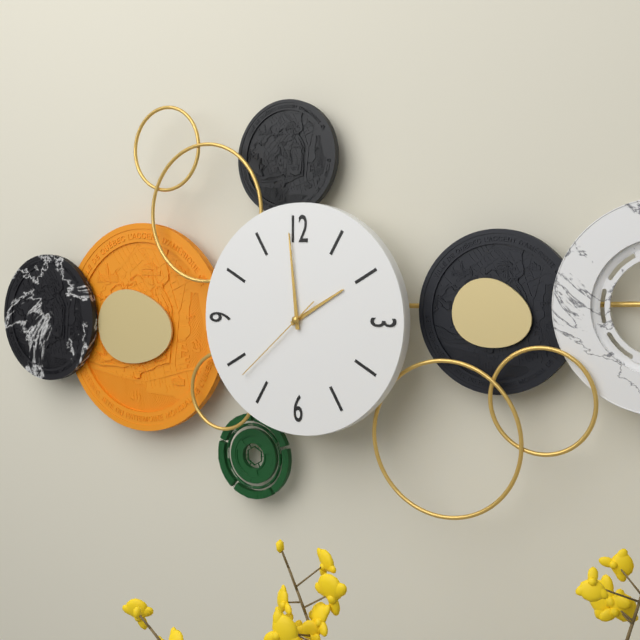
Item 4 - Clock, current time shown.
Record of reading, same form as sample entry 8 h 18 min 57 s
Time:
1 h 59 min 38 s
